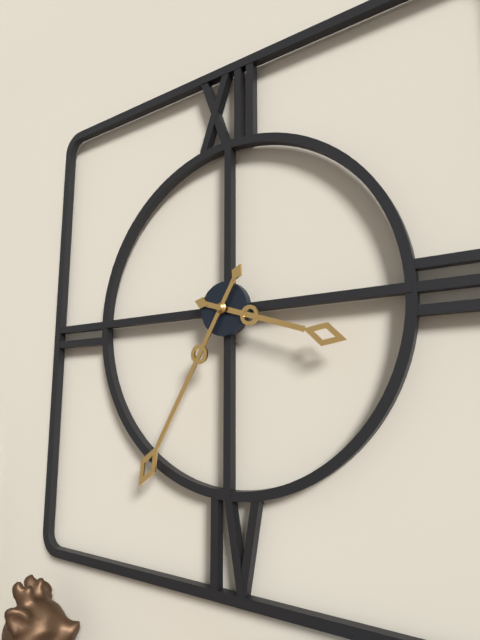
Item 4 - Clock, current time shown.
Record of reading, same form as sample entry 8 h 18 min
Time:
3 h 35 min
